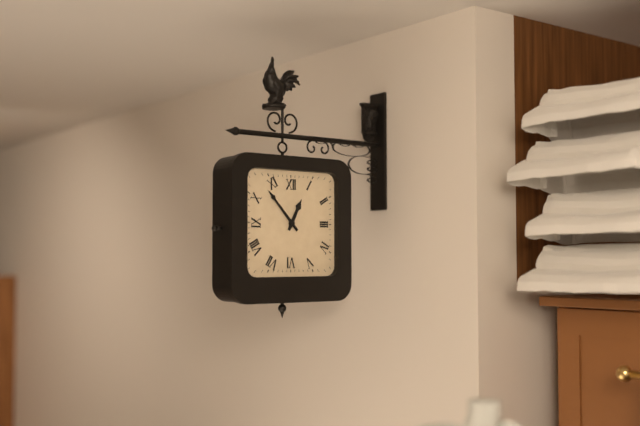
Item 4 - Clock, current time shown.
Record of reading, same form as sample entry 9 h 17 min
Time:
12 h 53 min
